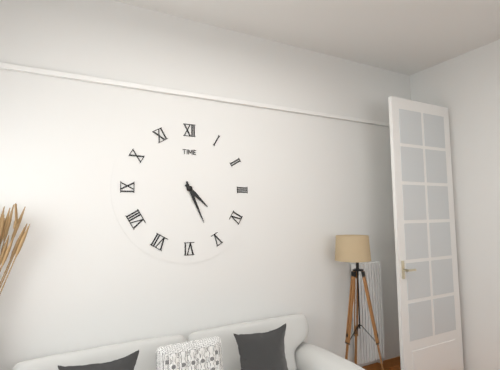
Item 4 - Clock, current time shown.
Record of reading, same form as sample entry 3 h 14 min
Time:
4 h 26 min
